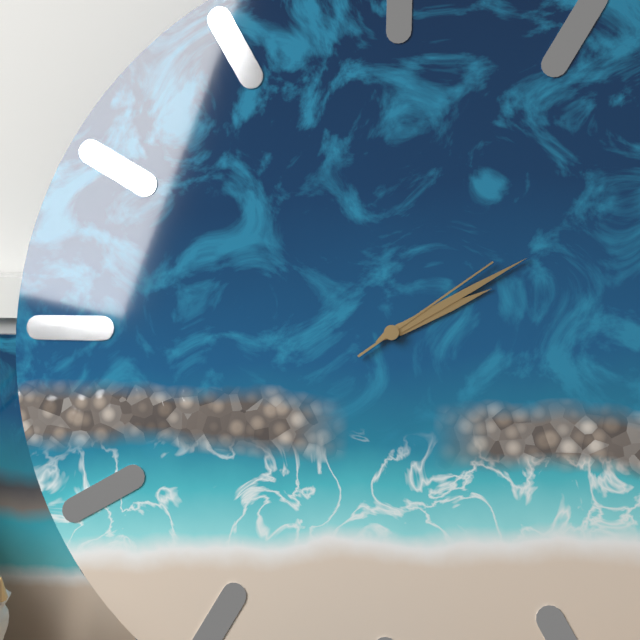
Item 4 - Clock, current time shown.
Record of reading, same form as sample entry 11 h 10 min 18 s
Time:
2 h 10 min 09 s
